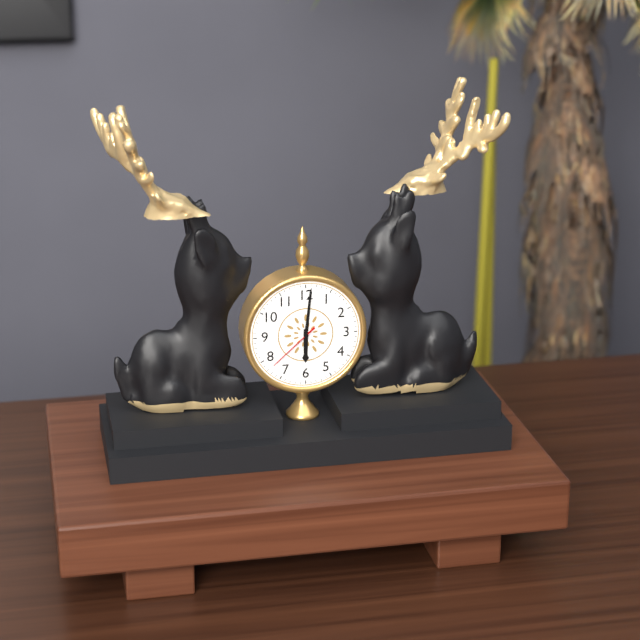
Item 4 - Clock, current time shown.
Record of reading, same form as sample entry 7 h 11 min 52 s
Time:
6 h 01 min 38 s
